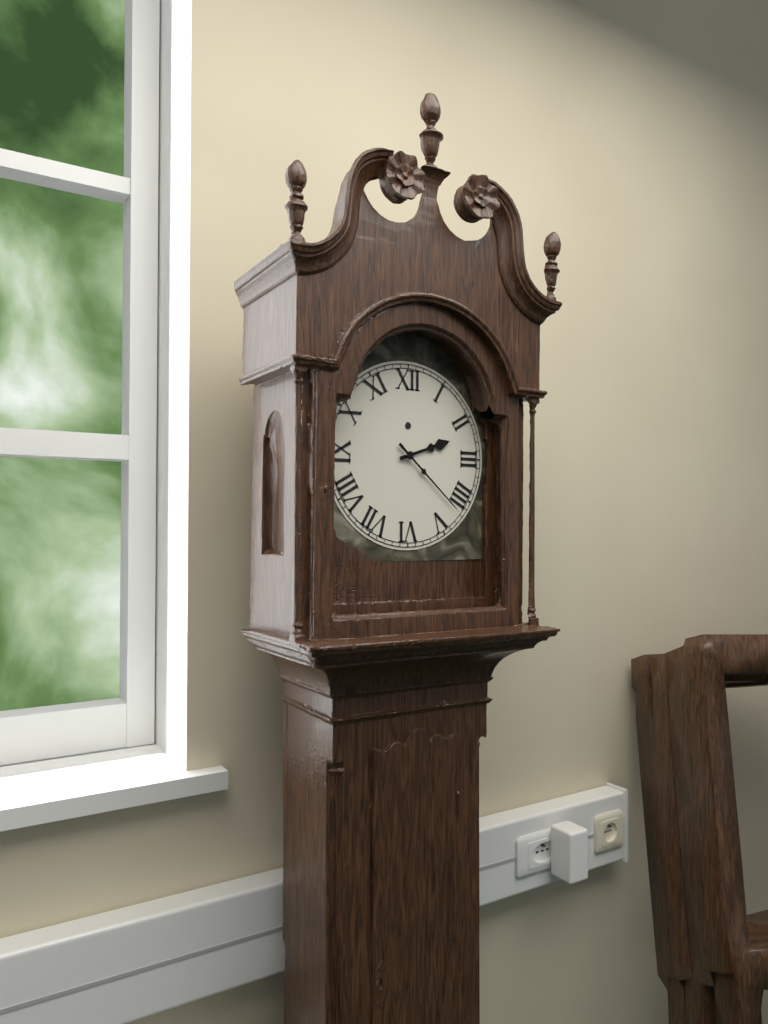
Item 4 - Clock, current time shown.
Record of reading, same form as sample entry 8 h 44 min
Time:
2 h 22 min
